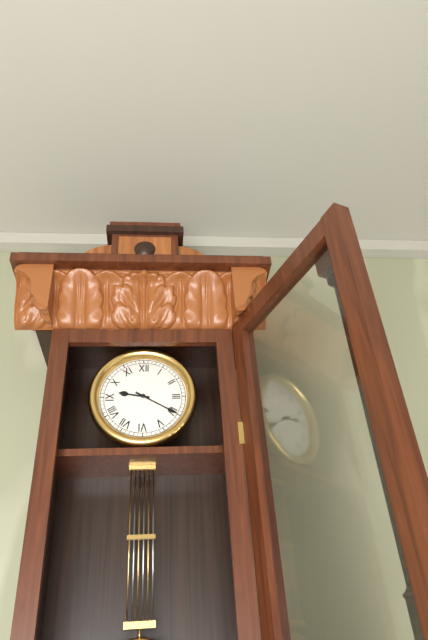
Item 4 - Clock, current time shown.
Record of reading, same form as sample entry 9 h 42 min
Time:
9 h 20 min
